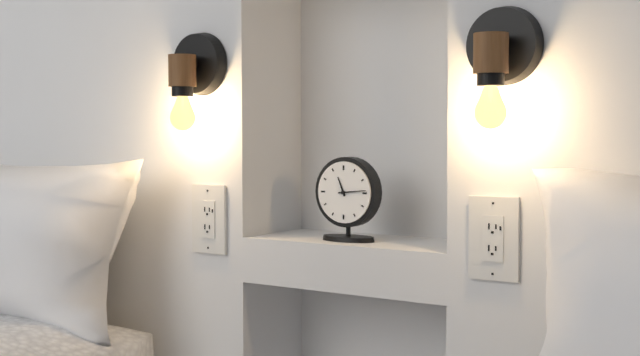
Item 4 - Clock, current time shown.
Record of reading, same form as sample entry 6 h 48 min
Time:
11 h 14 min
